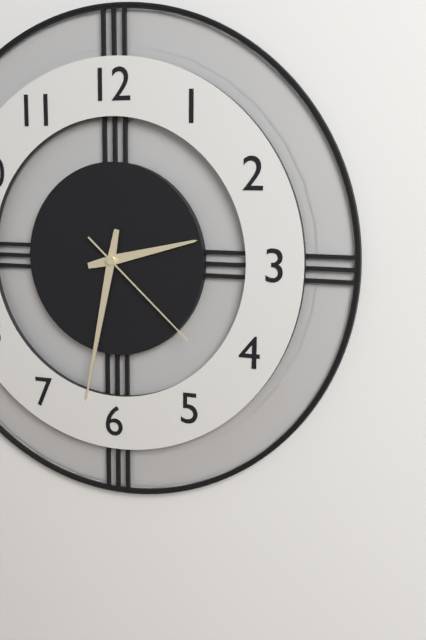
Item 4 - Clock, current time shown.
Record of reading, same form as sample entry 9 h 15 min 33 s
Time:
2 h 32 min 22 s
